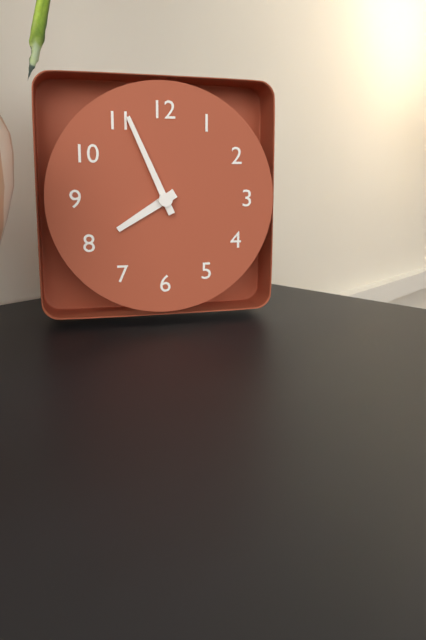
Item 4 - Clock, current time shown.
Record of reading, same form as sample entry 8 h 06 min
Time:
7 h 56 min
